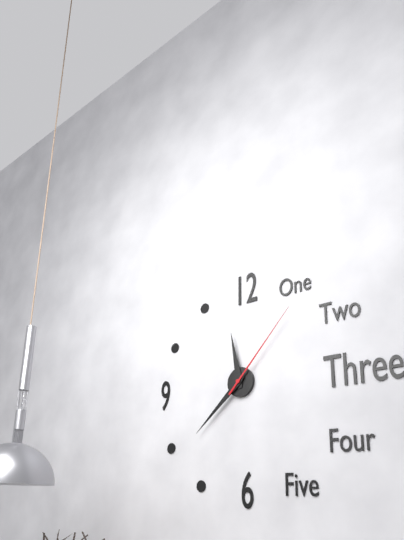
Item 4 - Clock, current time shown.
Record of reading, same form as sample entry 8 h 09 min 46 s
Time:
11 h 38 min 07 s
